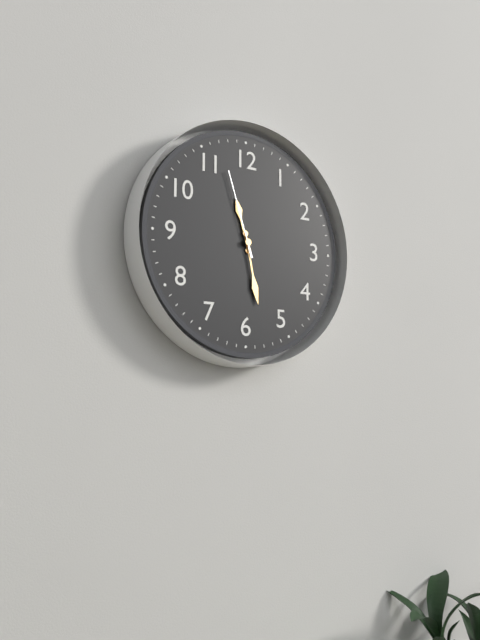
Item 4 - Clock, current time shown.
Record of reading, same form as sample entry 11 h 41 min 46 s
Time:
11 h 28 min 57 s
